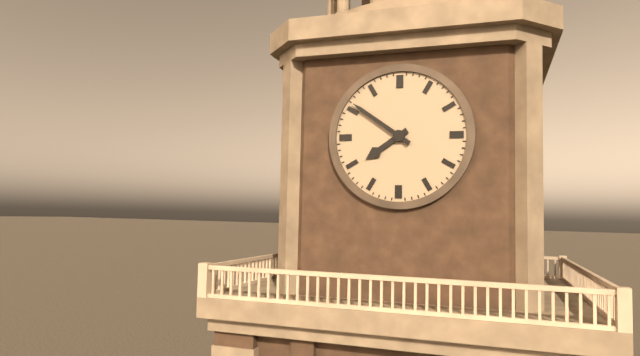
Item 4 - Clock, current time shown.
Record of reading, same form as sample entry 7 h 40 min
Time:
7 h 51 min
